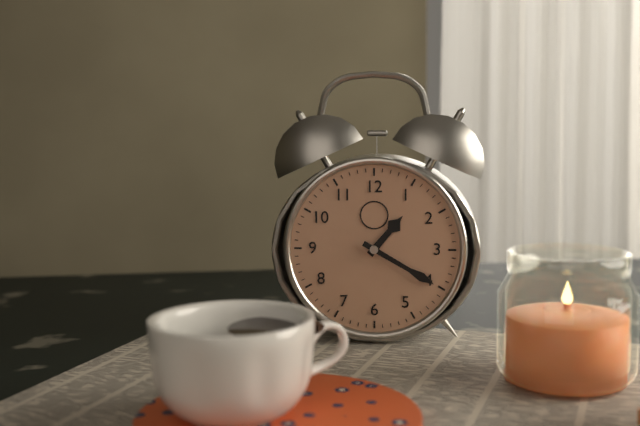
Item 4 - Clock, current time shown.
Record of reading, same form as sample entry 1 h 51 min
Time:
1 h 20 min
